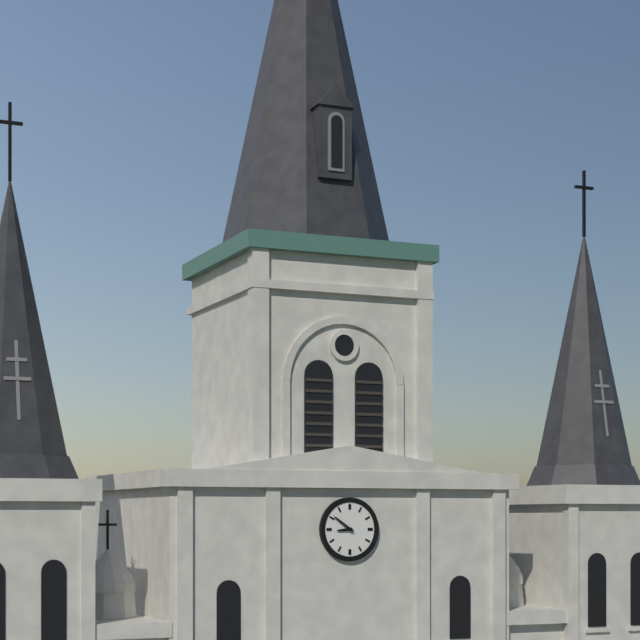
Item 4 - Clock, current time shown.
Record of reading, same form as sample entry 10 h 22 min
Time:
8 h 51 min
